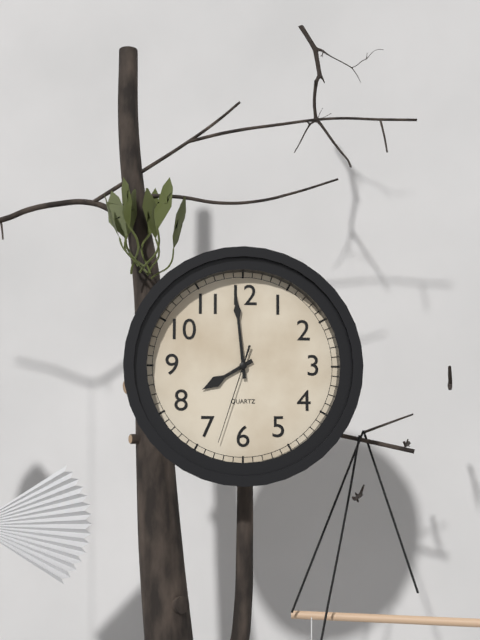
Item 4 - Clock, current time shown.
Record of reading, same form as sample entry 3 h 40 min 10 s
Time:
7 h 59 min 33 s
